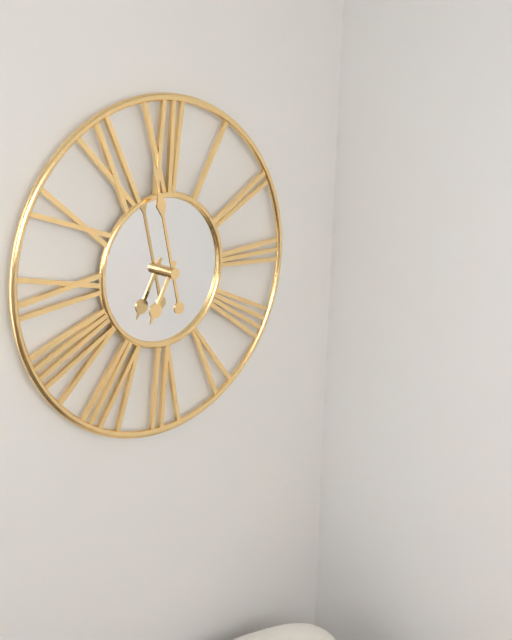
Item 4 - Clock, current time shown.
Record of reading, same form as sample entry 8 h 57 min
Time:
6 h 58 min
